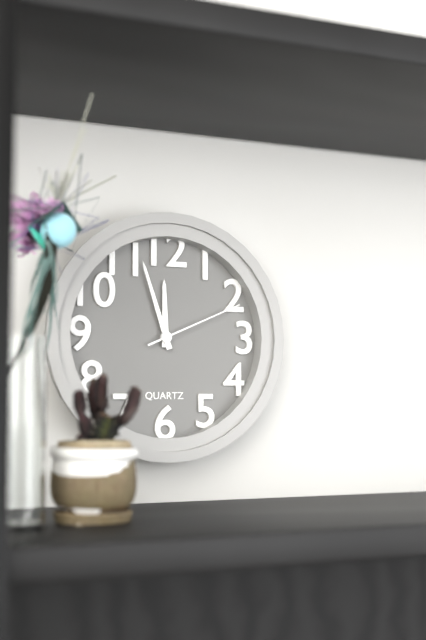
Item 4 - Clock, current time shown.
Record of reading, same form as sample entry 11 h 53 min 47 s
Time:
11 h 57 min 11 s
